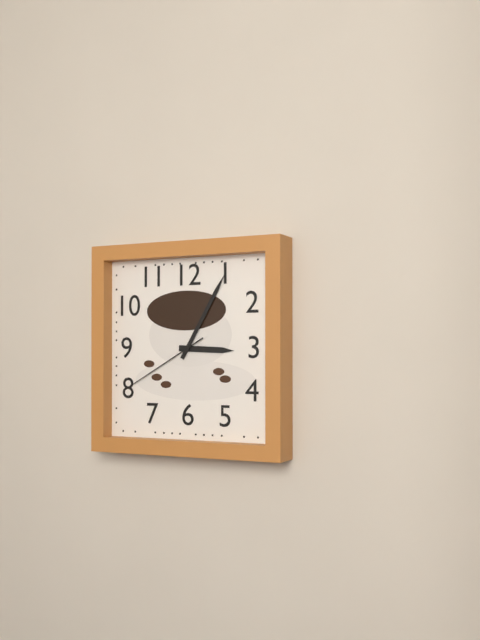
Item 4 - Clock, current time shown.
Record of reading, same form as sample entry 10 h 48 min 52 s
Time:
3 h 05 min 40 s
